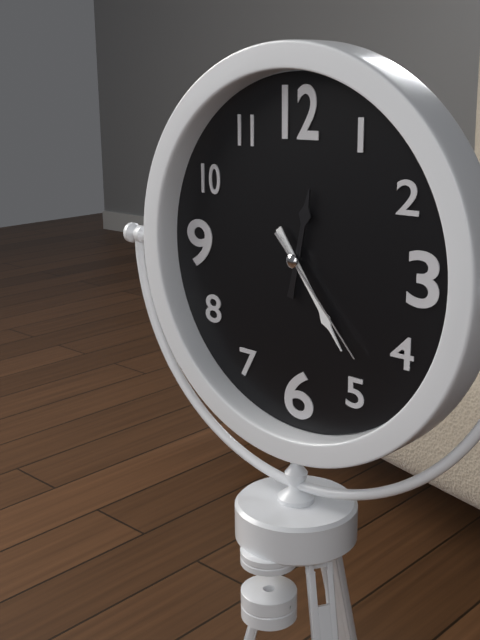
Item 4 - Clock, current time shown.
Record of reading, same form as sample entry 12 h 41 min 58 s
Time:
12 h 24 min 23 s
